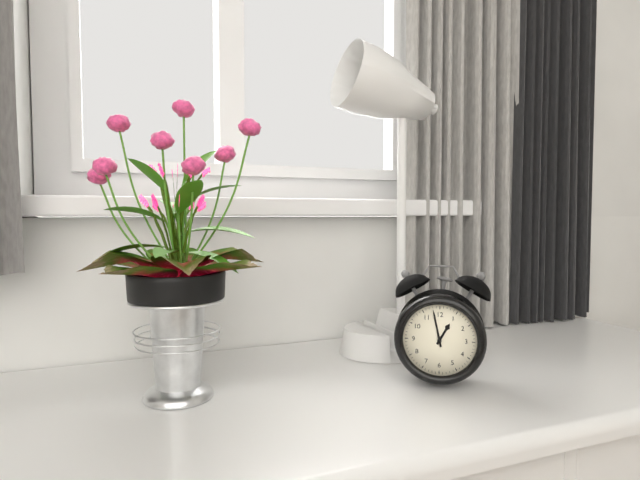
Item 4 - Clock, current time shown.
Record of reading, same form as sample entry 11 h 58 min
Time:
12 h 58 min
